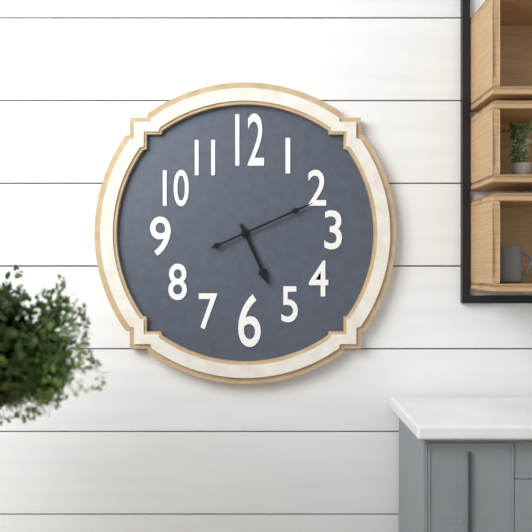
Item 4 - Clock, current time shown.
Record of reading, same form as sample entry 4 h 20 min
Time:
5 h 11 min
